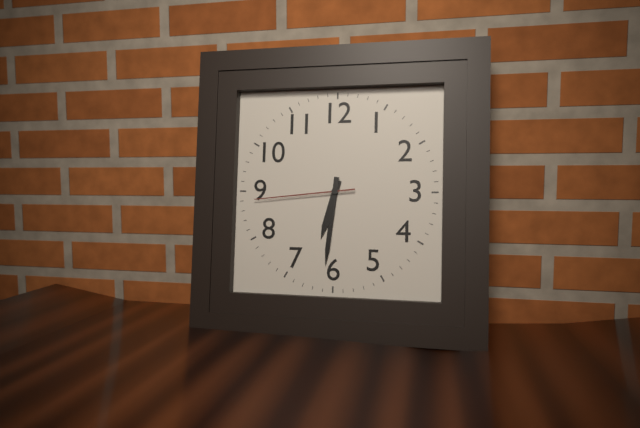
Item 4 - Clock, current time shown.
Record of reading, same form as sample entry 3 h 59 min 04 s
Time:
6 h 31 min 44 s
